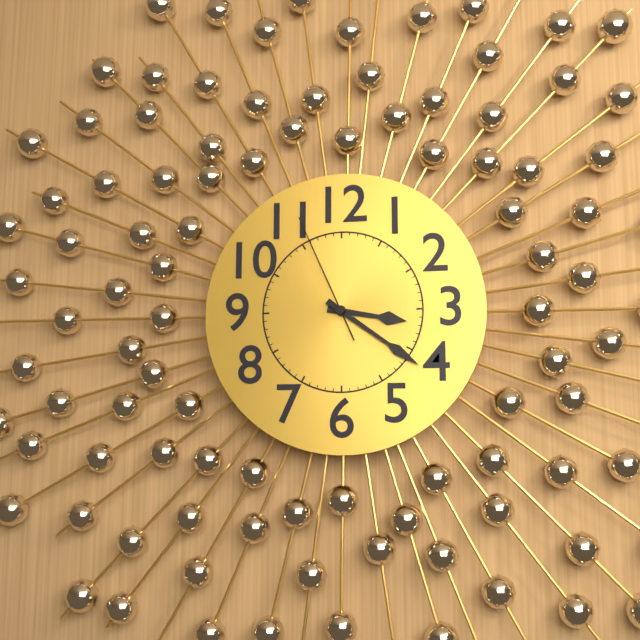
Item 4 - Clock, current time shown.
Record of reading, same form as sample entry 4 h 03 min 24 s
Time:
3 h 21 min 56 s
